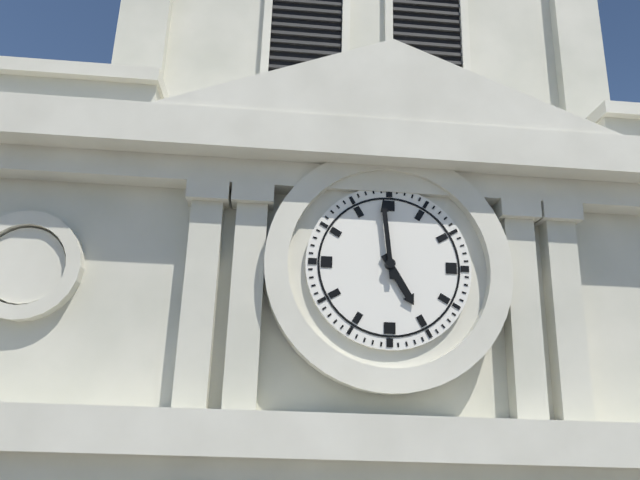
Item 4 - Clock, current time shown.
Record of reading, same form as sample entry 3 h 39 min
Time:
4 h 59 min
